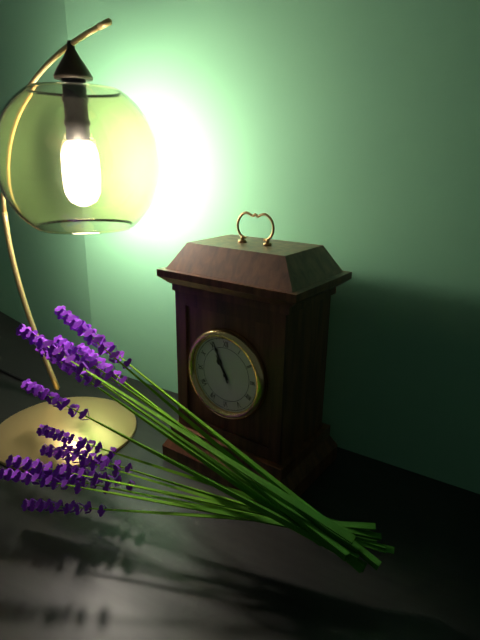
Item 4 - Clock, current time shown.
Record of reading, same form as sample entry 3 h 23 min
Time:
10 h 56 min
